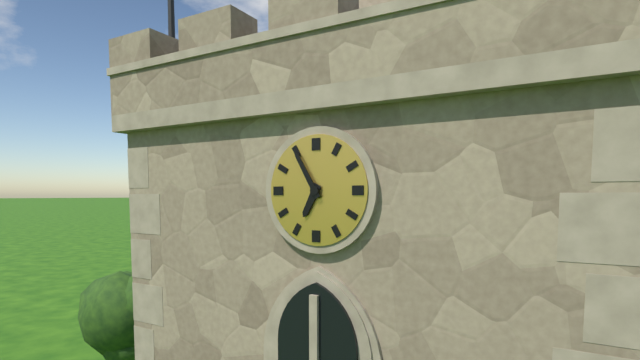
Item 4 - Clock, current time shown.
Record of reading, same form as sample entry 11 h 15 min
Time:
6 h 55 min
